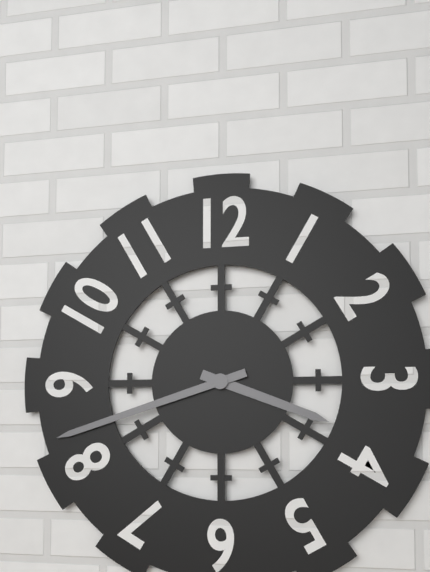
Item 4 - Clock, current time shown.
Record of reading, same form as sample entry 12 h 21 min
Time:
3 h 42 min
